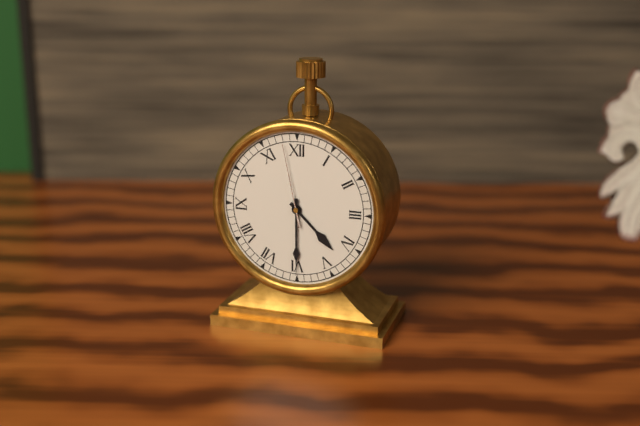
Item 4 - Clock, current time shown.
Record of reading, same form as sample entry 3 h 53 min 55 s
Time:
4 h 30 min 58 s
